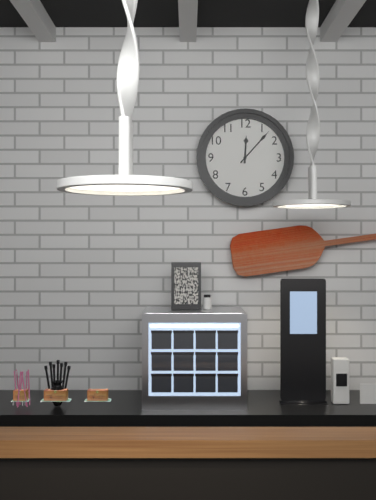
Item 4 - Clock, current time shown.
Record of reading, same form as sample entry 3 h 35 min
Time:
12 h 07 min
